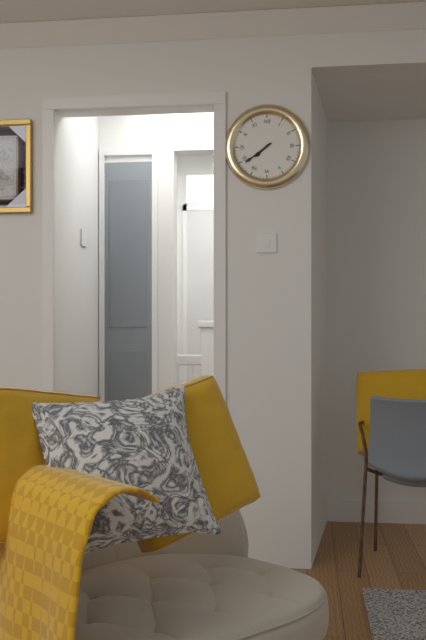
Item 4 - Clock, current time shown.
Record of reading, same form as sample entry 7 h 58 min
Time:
7 h 39 min
